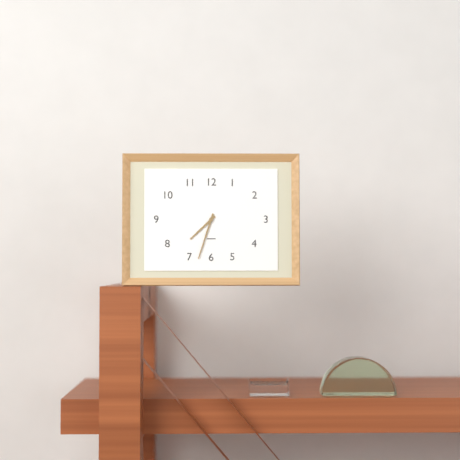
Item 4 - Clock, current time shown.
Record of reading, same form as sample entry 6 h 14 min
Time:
7 h 33 min
